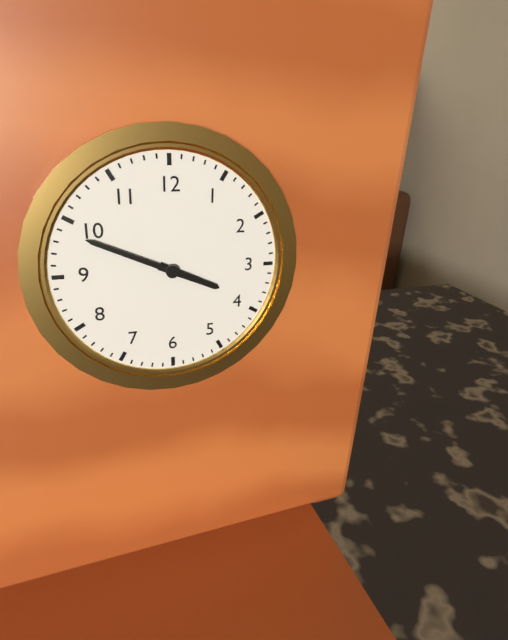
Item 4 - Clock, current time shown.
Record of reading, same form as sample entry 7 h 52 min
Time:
3 h 49 min
